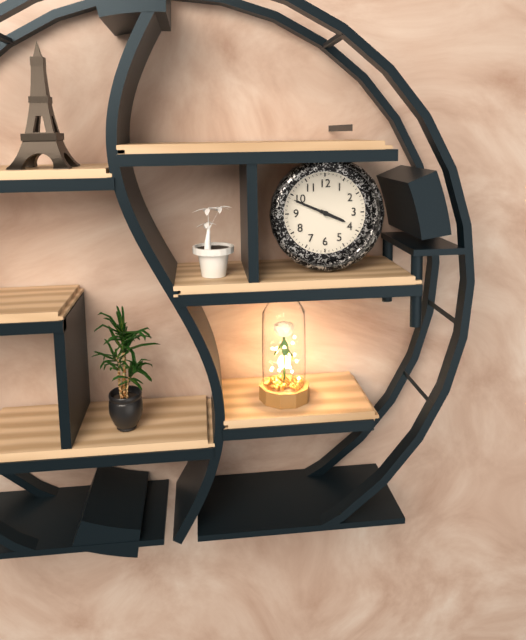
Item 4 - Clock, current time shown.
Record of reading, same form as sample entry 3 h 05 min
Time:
3 h 49 min
